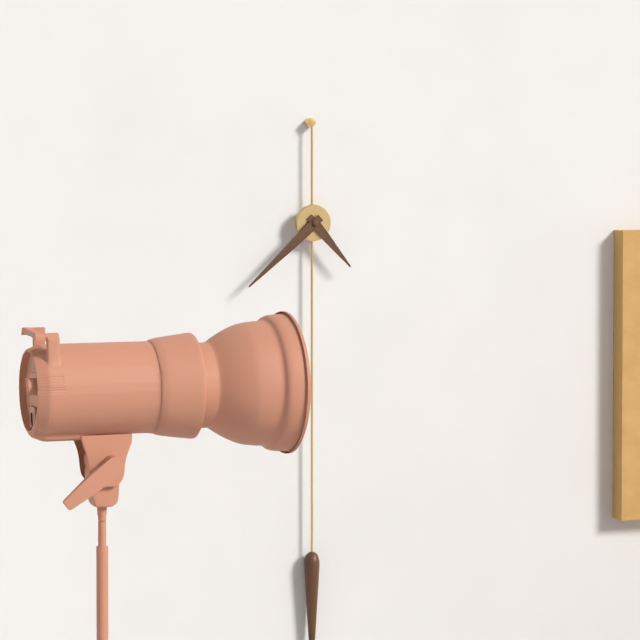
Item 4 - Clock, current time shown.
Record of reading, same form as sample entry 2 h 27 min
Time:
4 h 38 min
